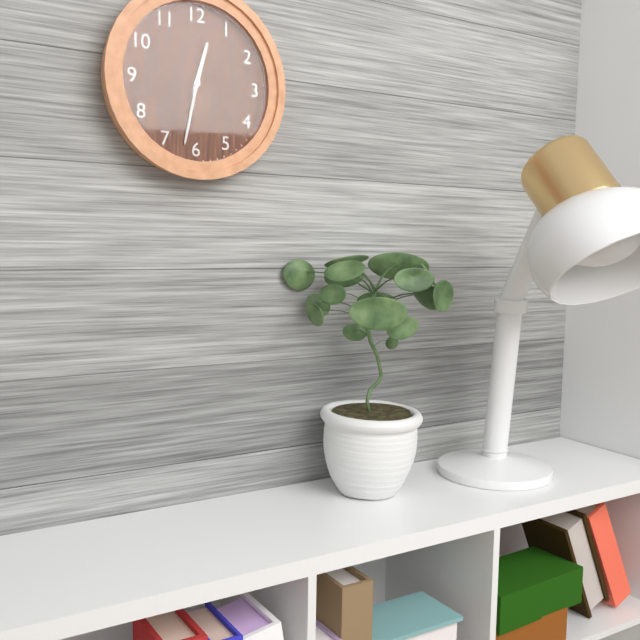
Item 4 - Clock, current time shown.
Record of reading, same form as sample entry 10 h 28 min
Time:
12 h 32 min
